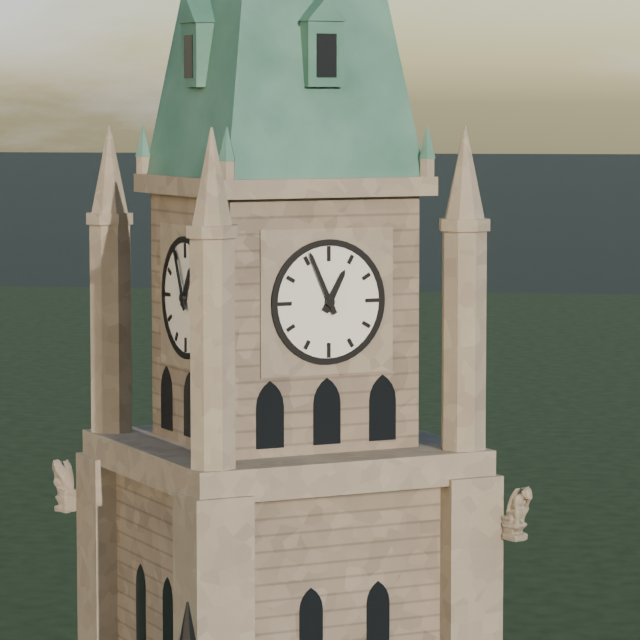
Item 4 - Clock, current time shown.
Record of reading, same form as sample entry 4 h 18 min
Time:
12 h 56 min
